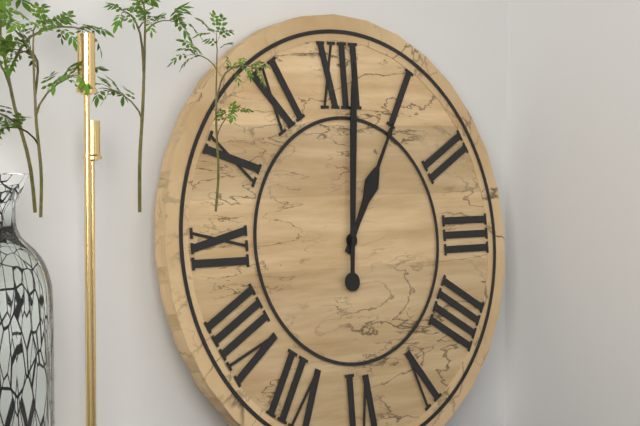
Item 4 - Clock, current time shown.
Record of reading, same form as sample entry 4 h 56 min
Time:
1 h 01 min
